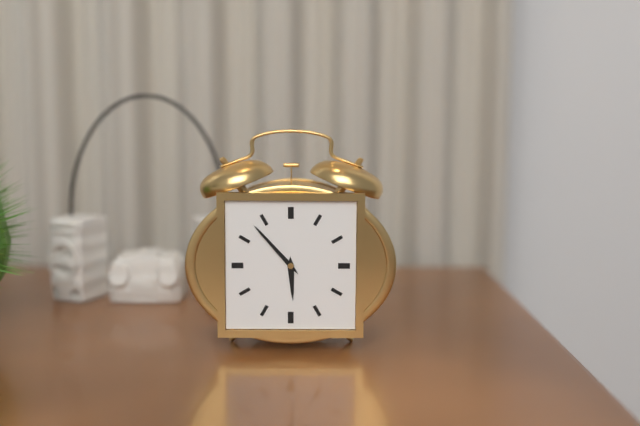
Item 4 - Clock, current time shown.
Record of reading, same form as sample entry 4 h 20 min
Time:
5 h 53 min
